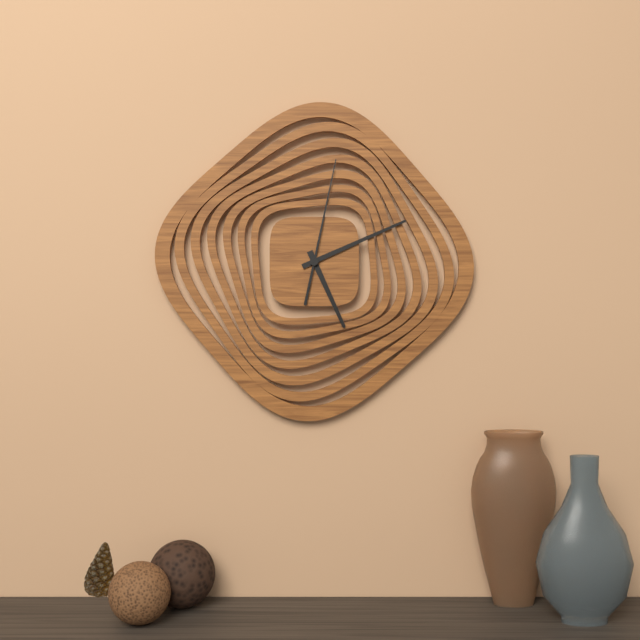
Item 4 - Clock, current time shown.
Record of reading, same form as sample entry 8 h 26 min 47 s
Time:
5 h 11 min 02 s
